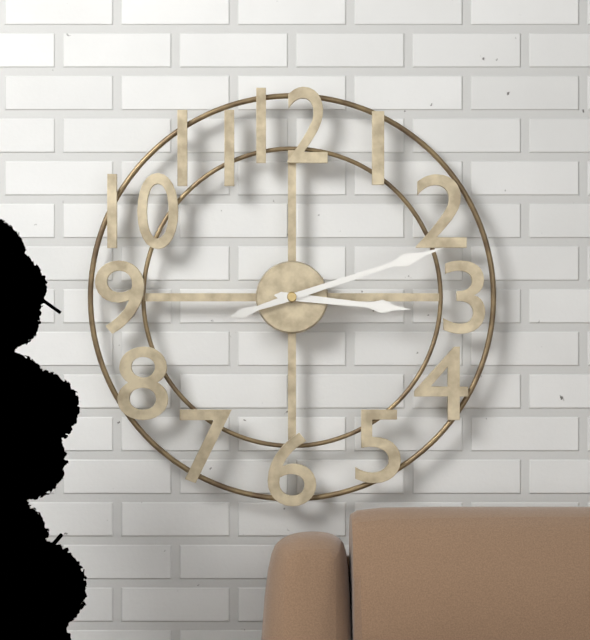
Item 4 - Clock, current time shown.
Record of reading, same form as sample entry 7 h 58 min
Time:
3 h 12 min
